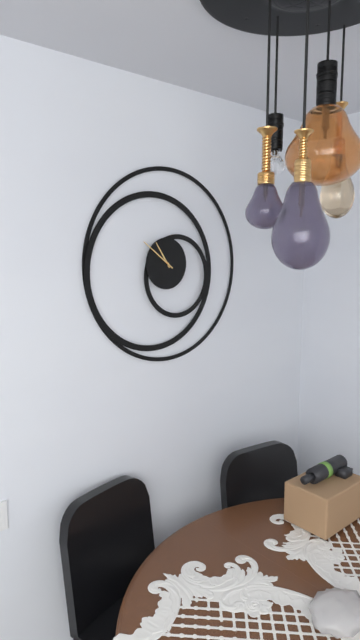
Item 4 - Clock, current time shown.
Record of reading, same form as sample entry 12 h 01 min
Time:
10 h 51 min
